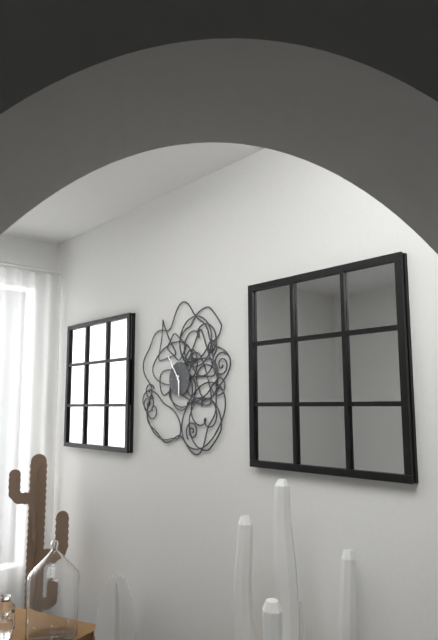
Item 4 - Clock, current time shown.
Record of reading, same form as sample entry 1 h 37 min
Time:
5 h 54 min
